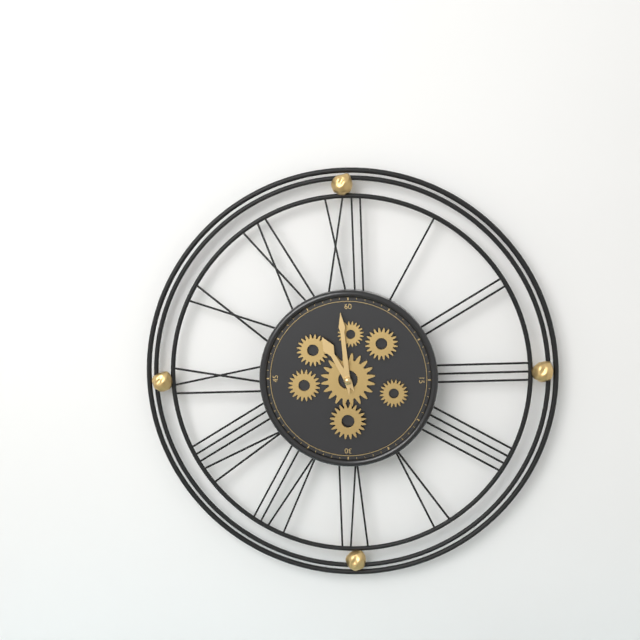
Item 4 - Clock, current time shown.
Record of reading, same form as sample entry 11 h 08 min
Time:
10 h 59 min
